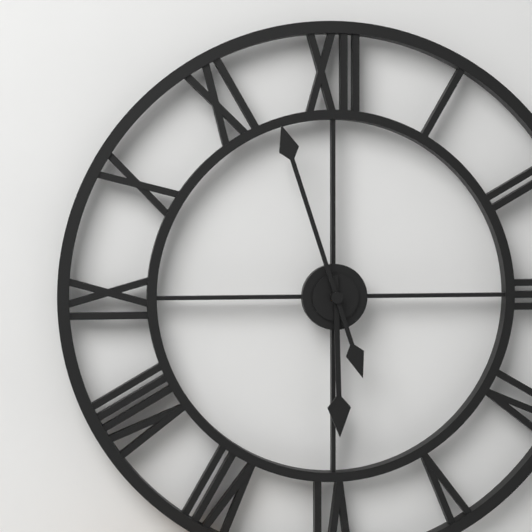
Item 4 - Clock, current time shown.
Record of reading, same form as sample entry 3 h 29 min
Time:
5 h 57 min
